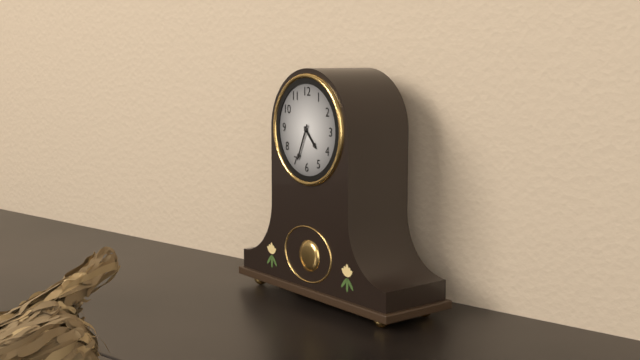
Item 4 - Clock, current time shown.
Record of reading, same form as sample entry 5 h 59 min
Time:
4 h 34 min
